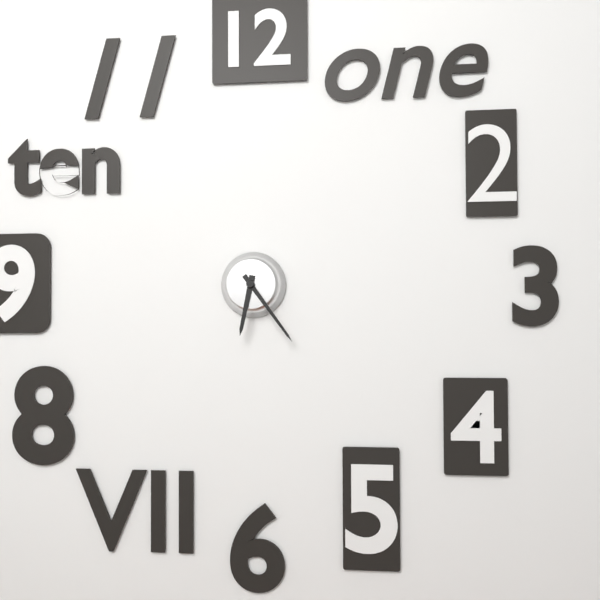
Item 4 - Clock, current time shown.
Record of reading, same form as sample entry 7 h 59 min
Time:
6 h 24 min
